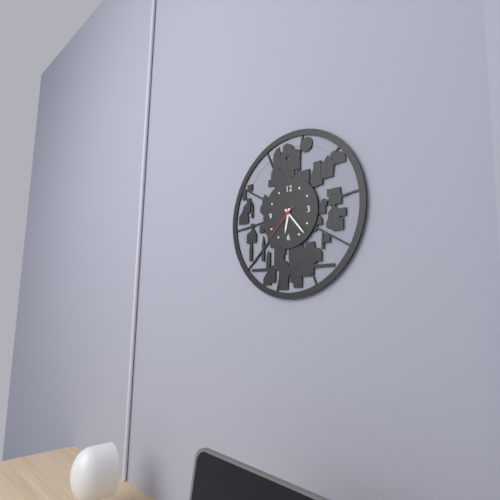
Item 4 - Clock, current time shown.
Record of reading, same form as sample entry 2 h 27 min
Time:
6 h 23 min
